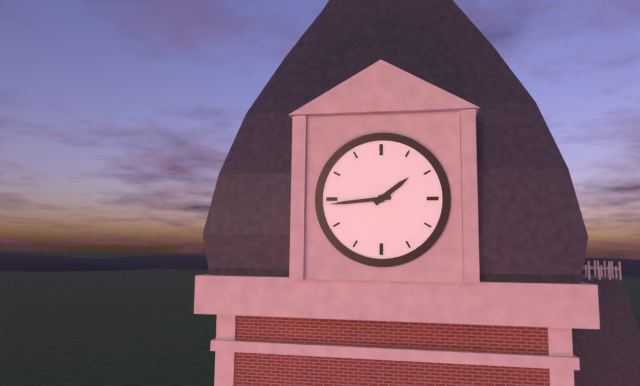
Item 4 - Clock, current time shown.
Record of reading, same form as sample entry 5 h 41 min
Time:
1 h 44 min
